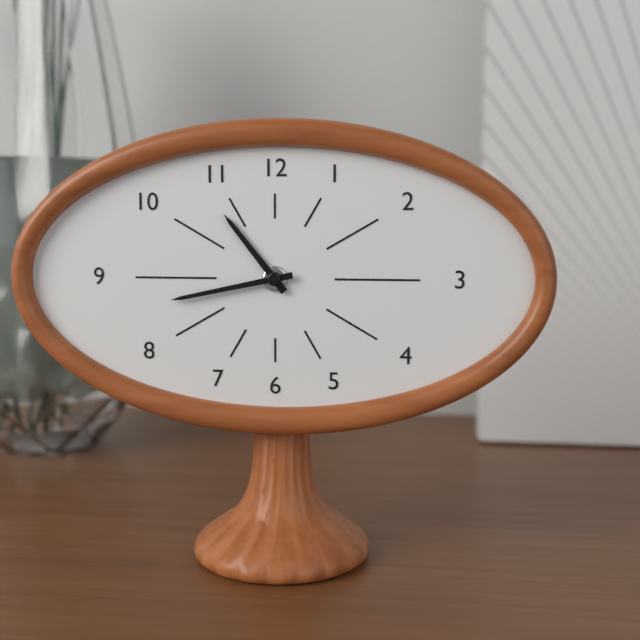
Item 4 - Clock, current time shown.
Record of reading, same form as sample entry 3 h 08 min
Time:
10 h 43 min
